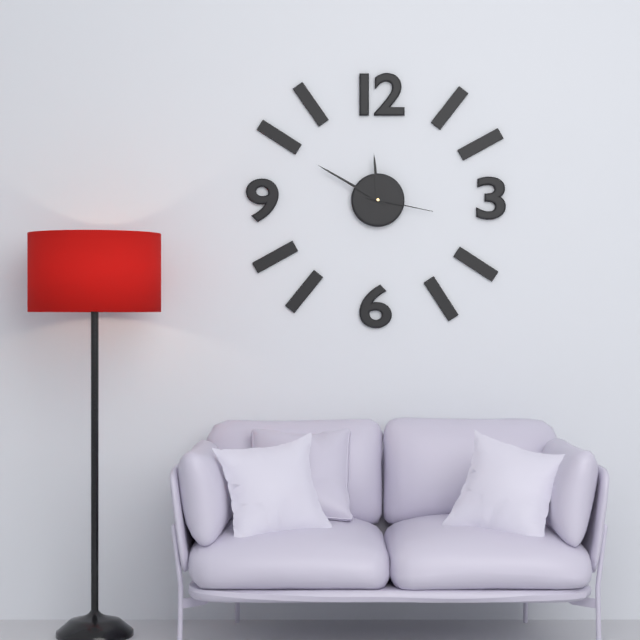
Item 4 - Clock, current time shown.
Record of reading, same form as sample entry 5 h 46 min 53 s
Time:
11 h 50 min 17 s
